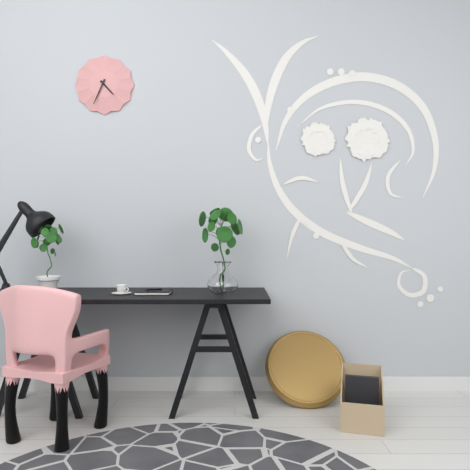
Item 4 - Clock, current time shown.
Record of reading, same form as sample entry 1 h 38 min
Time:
4 h 34 min
